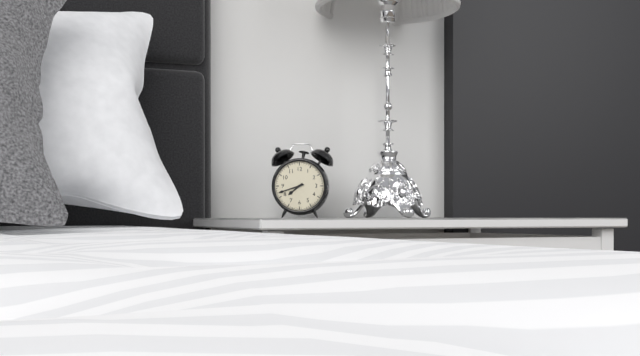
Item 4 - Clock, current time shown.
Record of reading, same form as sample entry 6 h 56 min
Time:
7 h 42 min
